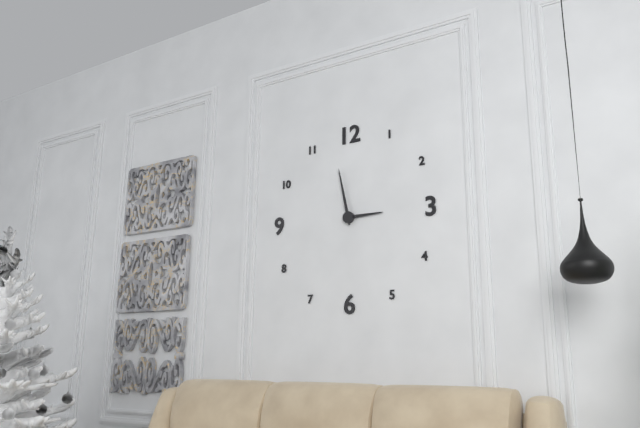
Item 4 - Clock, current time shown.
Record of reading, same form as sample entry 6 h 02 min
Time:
2 h 58 min
